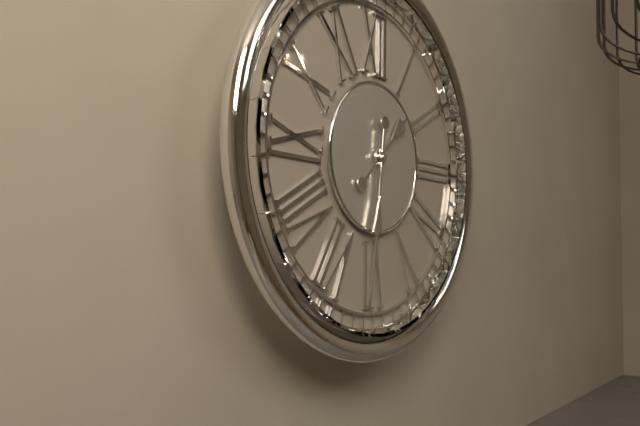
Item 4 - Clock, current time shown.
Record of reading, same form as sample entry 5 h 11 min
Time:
1 h 31 min
